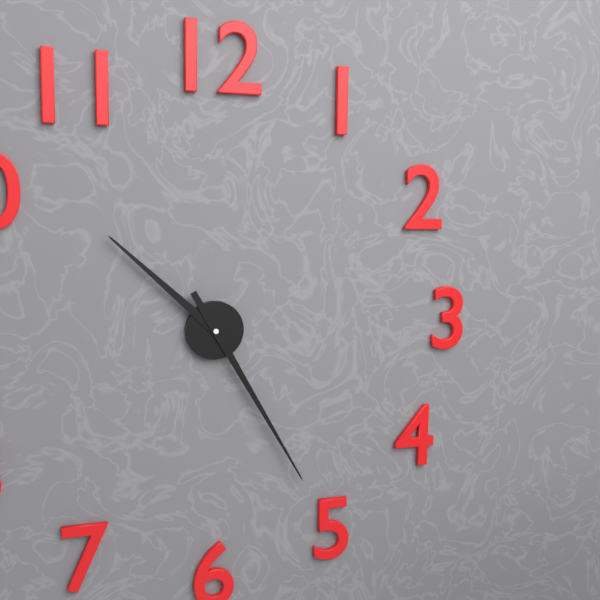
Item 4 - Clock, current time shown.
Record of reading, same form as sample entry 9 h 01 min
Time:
10 h 25 min
